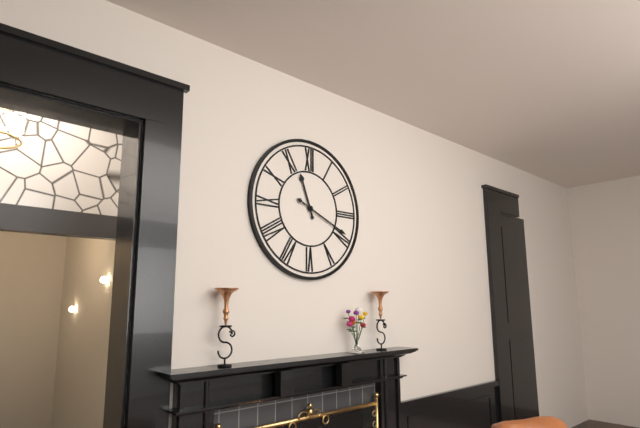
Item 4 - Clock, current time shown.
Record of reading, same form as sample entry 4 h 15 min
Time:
11 h 19 min
